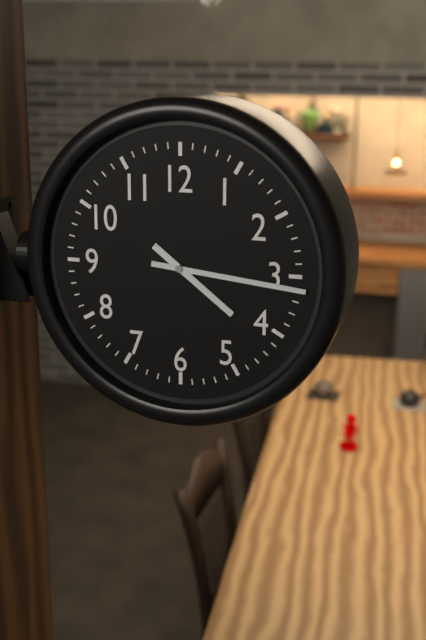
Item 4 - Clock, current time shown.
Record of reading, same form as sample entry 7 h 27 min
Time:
4 h 16 min
